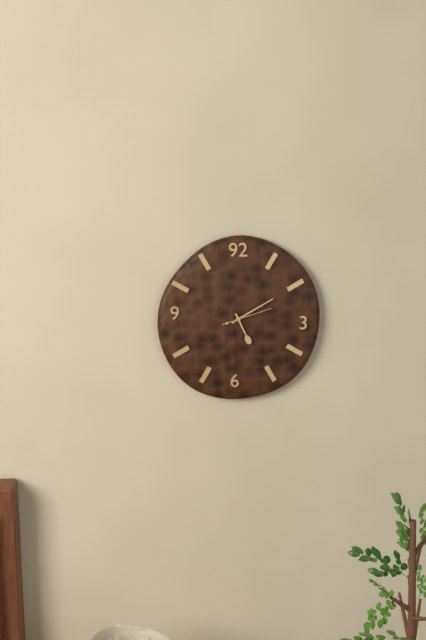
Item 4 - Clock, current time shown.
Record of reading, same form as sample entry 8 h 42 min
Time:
5 h 10 min
